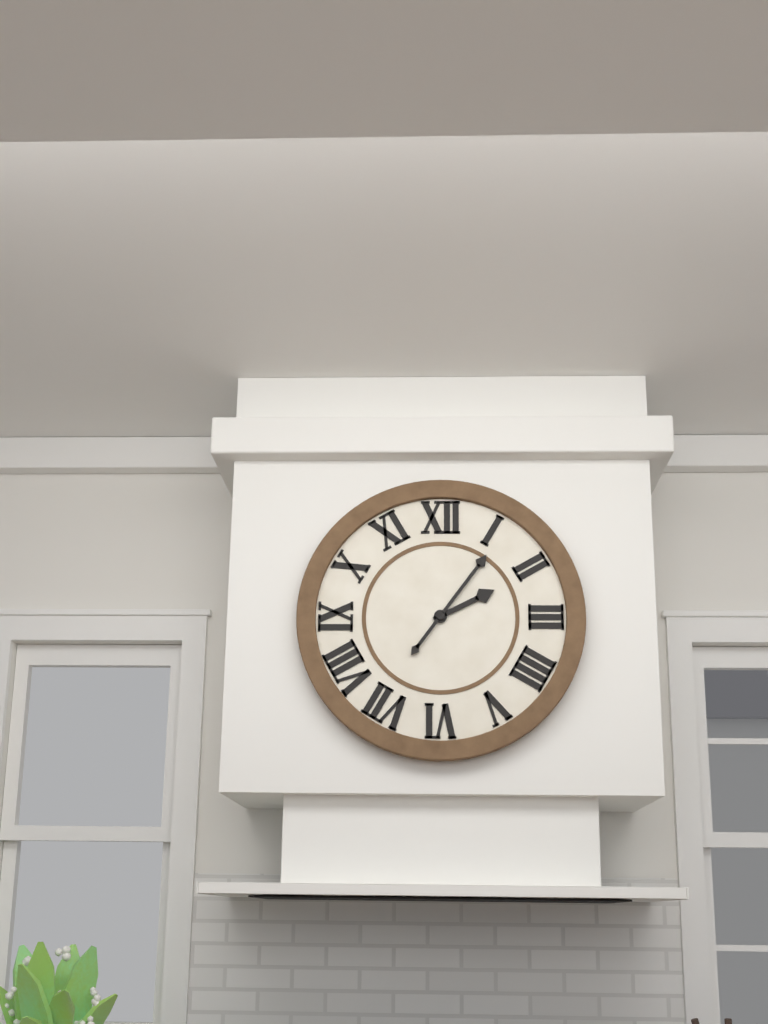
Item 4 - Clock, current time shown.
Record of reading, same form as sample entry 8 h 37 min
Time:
2 h 06 min
